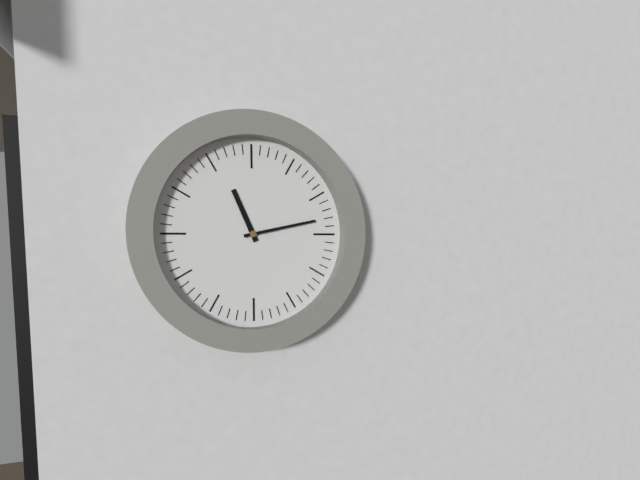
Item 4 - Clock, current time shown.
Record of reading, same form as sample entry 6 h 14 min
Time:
11 h 13 min
